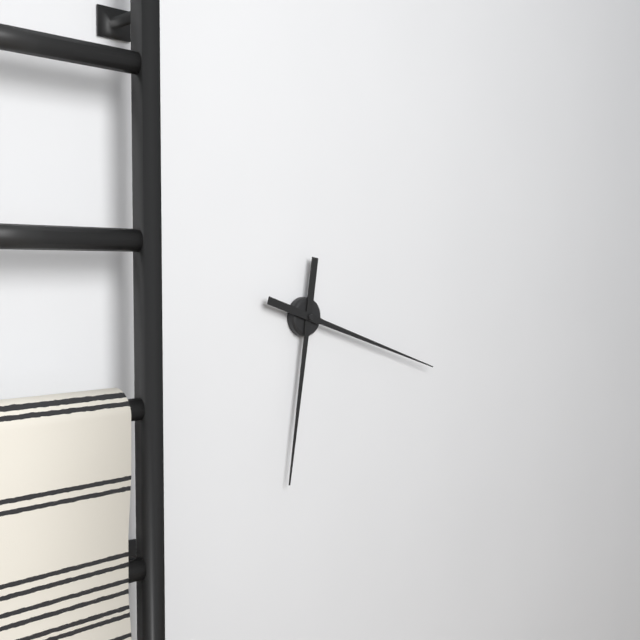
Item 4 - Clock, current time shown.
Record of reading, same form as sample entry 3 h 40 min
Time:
6 h 18 min
